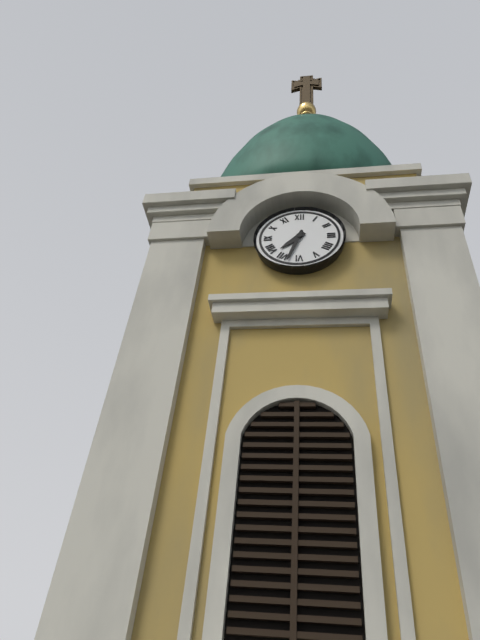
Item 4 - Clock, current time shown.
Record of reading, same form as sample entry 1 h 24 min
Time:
7 h 33 min
